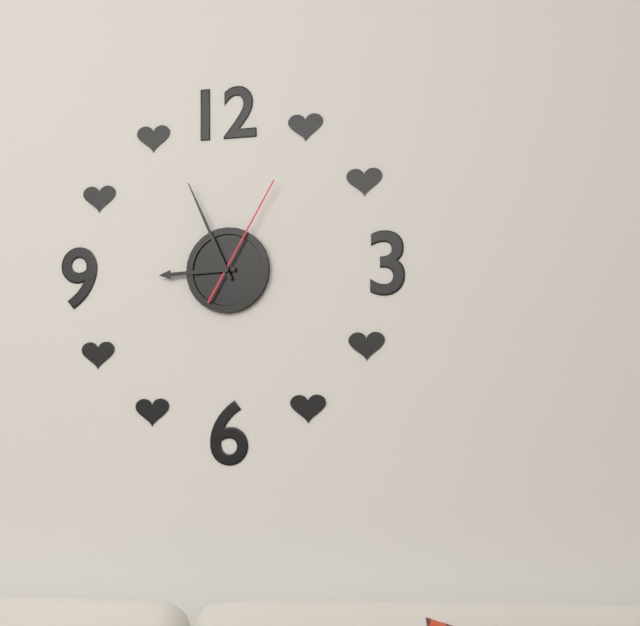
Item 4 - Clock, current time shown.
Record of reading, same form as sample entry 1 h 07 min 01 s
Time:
8 h 56 min 05 s
